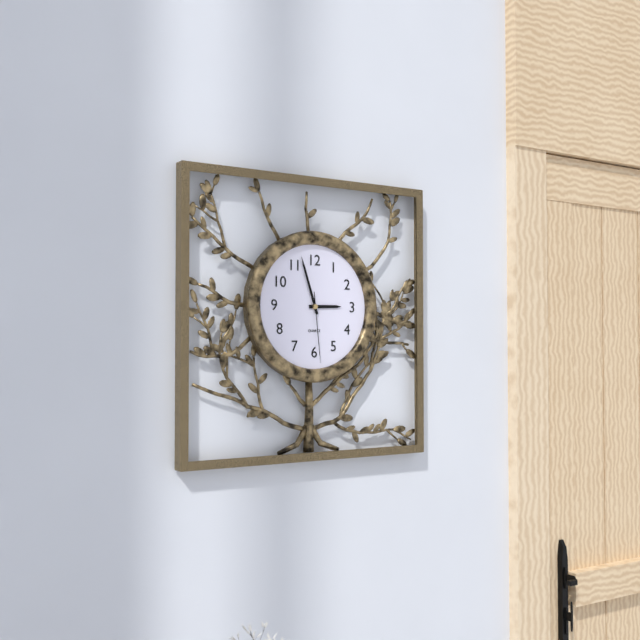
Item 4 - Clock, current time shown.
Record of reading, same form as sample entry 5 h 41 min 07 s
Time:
2 h 57 min 29 s
